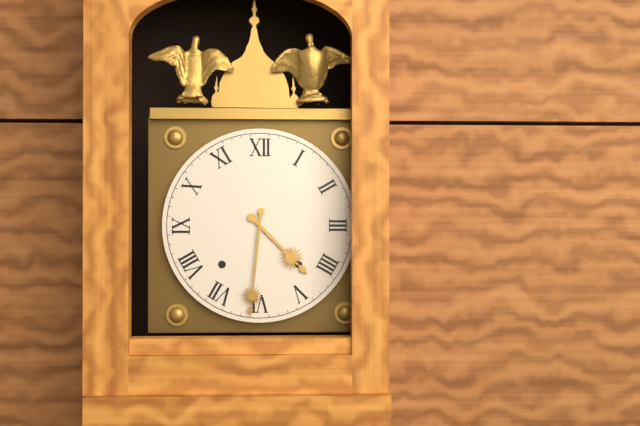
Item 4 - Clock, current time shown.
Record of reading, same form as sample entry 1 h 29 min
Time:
4 h 31 min
